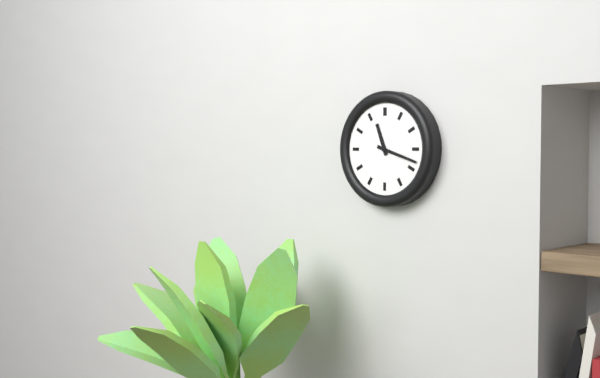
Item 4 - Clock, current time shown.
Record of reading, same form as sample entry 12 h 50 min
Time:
11 h 18 min
